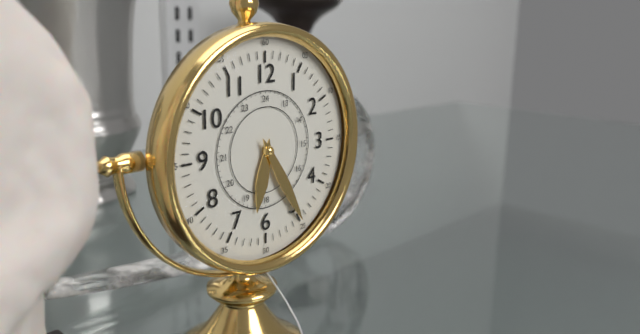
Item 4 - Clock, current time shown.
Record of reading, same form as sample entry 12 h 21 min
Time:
6 h 25 min
